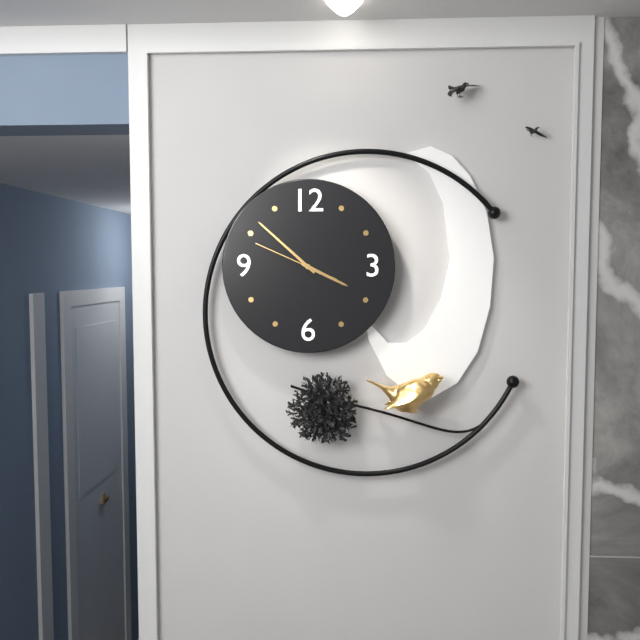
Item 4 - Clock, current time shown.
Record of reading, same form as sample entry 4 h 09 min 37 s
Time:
3 h 52 min 49 s
